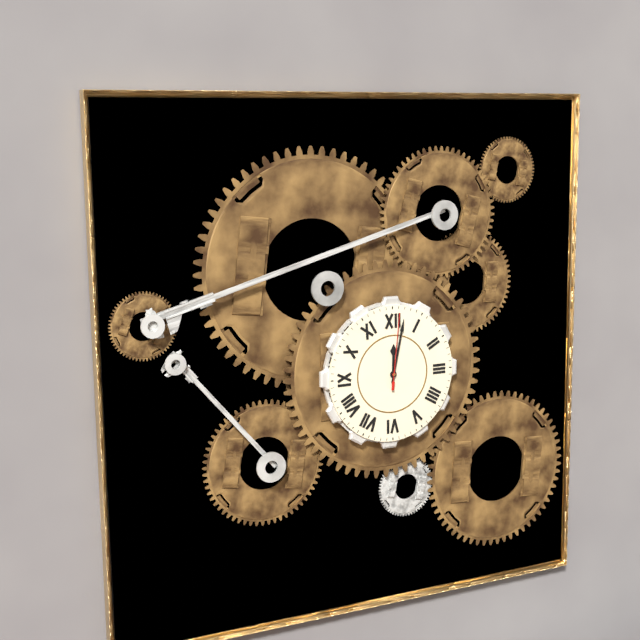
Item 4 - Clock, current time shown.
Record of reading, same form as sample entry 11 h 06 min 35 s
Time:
12 h 02 min 01 s
